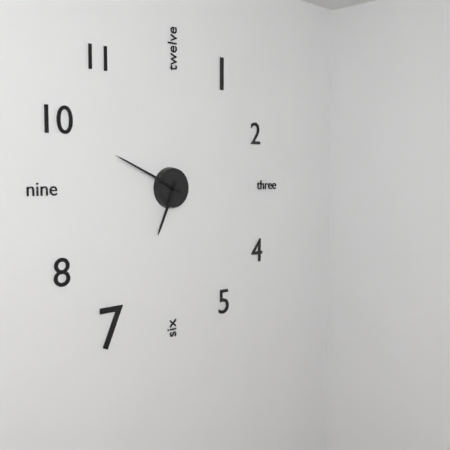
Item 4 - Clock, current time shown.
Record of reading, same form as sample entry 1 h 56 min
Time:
6 h 49 min
